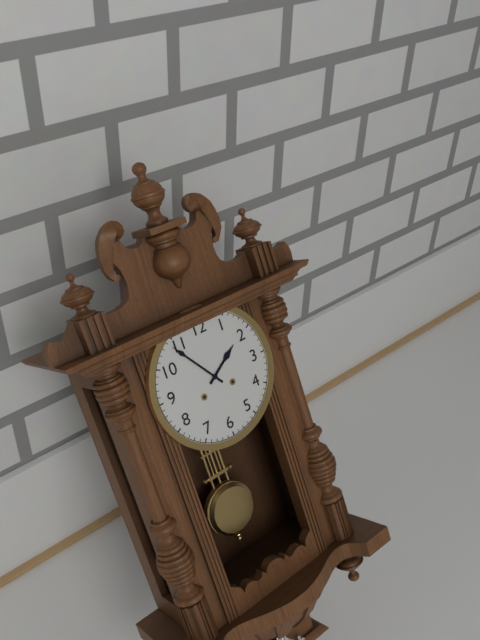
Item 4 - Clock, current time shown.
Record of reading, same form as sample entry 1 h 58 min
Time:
1 h 54 min
